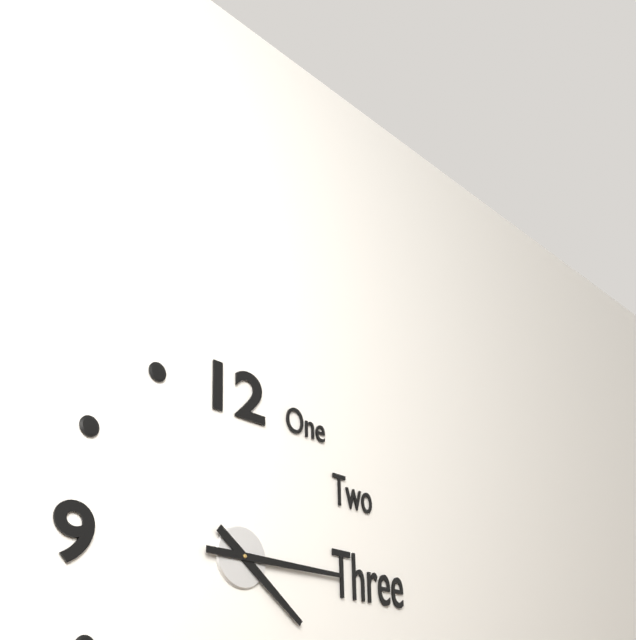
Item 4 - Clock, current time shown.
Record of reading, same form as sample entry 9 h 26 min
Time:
4 h 15 min
